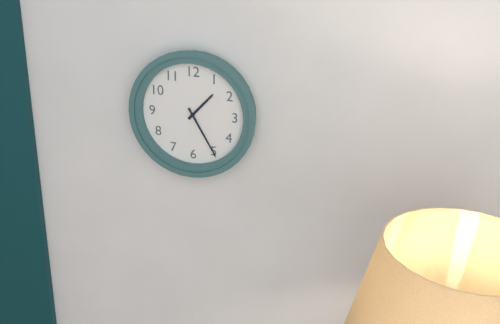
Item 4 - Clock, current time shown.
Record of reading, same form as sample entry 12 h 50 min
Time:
1 h 25 min
